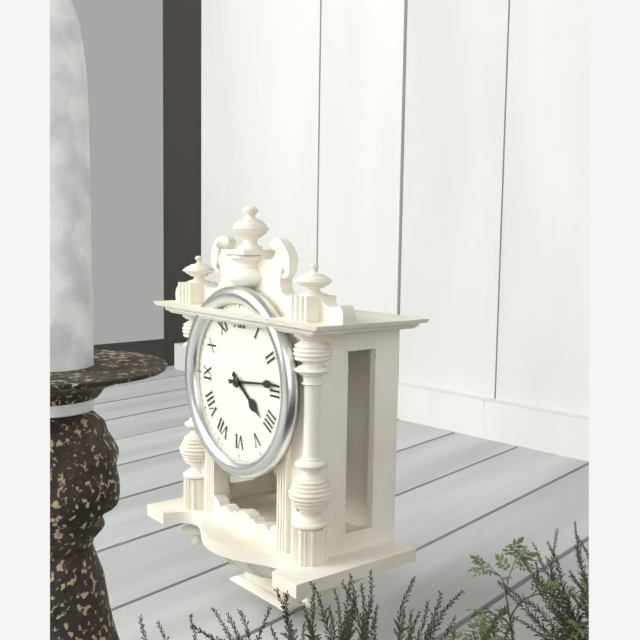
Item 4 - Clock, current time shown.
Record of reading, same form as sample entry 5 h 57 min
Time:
4 h 14 min
